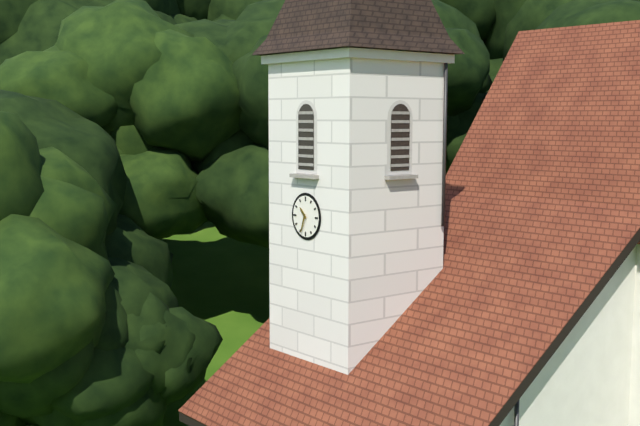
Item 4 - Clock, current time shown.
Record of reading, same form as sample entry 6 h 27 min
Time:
10 h 33 min
